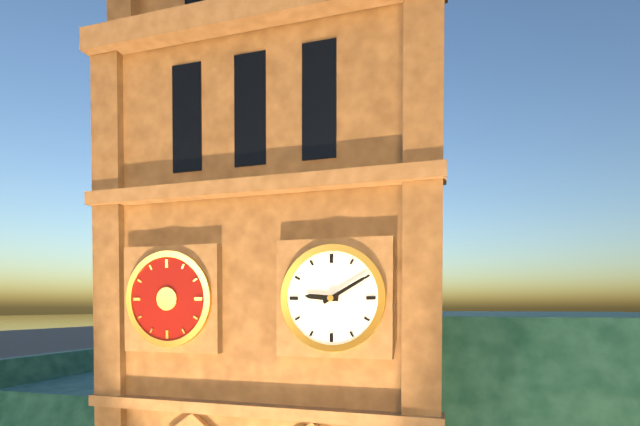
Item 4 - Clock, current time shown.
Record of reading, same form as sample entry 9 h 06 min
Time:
9 h 10 min
